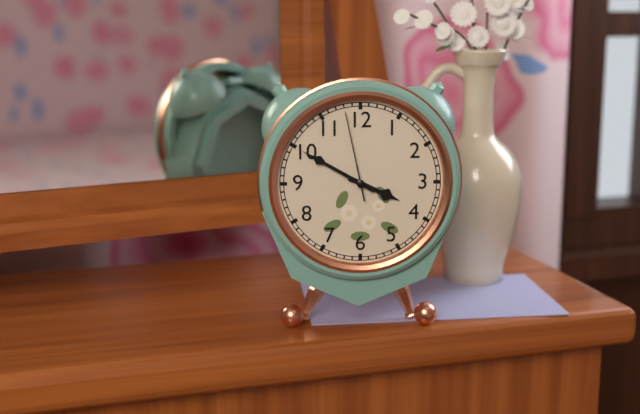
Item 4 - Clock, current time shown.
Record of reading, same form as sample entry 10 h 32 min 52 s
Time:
3 h 50 min 58 s
